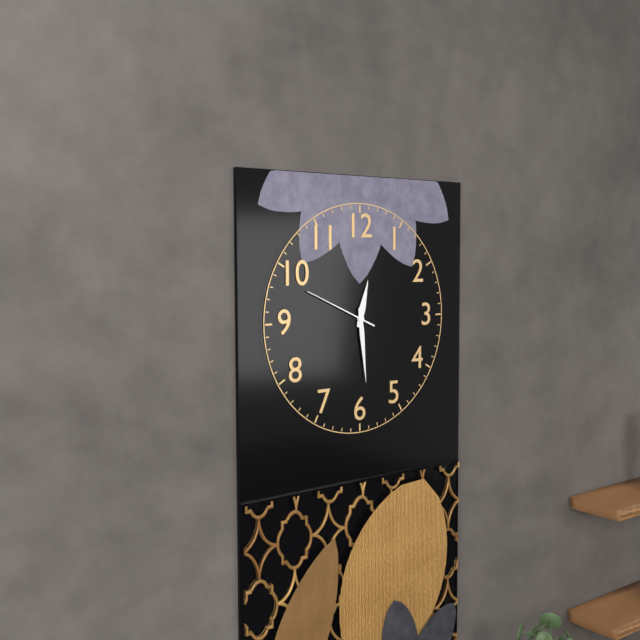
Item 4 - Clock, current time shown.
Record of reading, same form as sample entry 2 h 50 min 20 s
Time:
12 h 29 min 49 s
